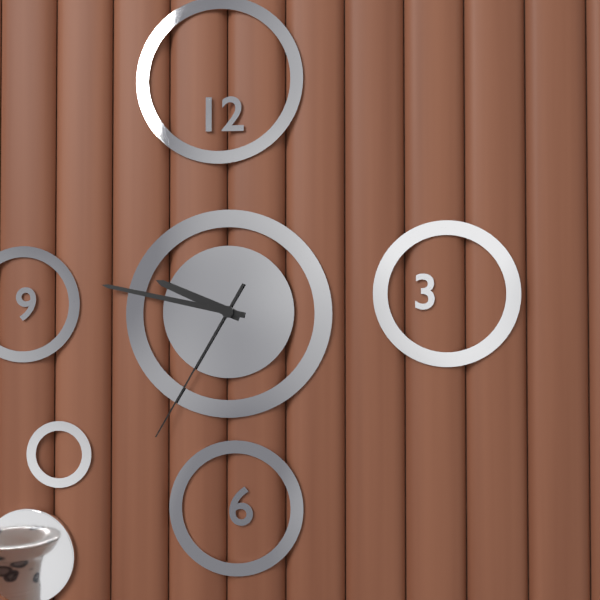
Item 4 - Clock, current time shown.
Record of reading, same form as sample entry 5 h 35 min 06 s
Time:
9 h 47 min 35 s
